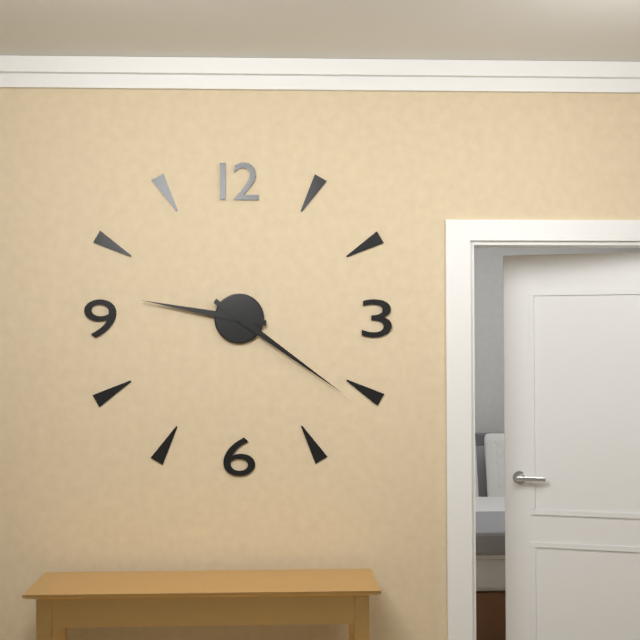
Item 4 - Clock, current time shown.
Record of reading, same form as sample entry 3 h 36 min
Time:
9 h 21 min
